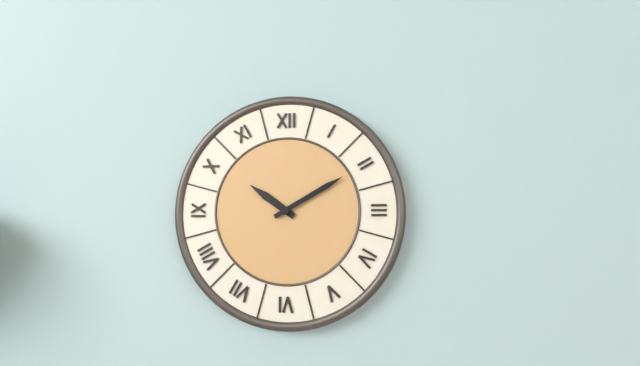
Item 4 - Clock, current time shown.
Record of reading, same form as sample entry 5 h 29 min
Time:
10 h 10 min
